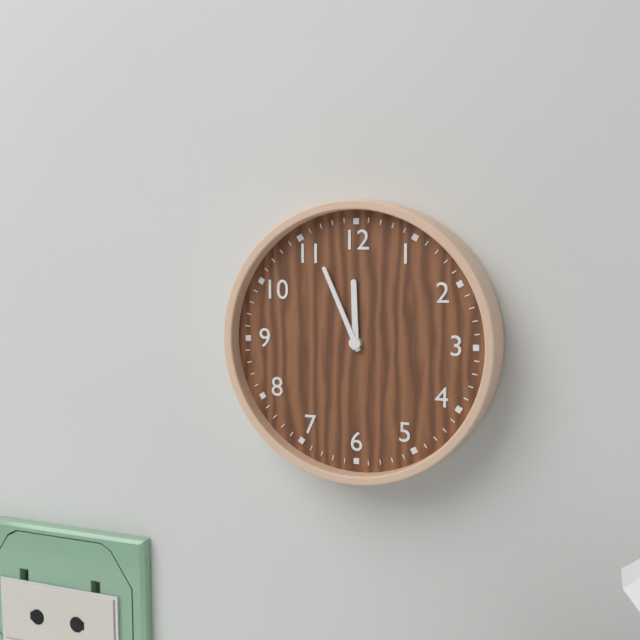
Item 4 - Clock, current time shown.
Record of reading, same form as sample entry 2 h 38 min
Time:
11 h 56 min
